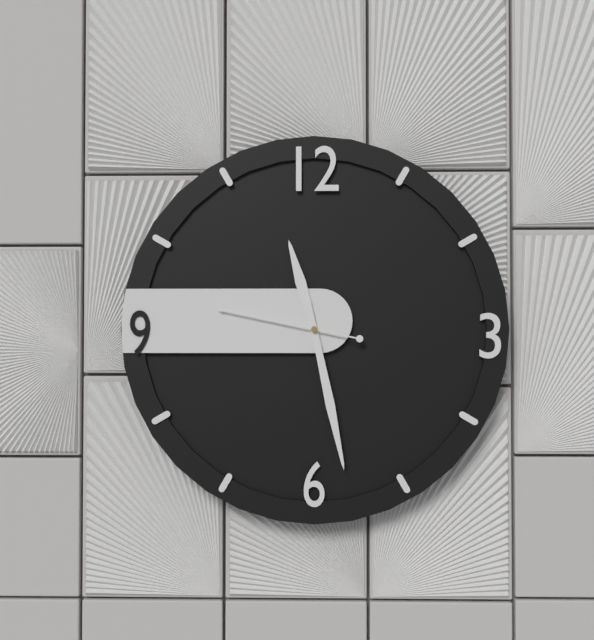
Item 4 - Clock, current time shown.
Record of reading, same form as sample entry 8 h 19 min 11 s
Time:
11 h 28 min 47 s
